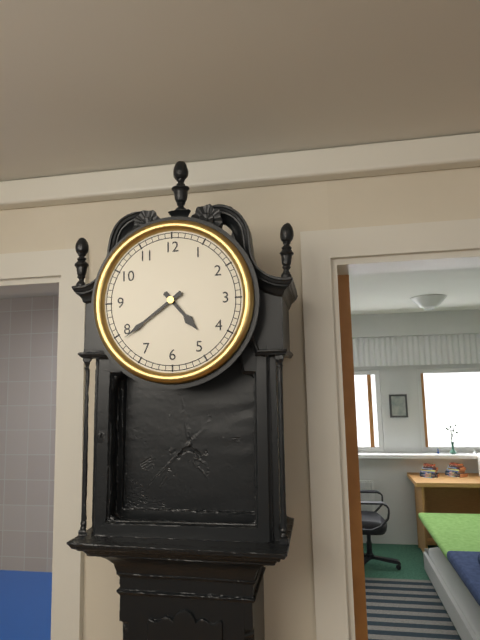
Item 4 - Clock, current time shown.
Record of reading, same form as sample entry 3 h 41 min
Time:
4 h 39 min
